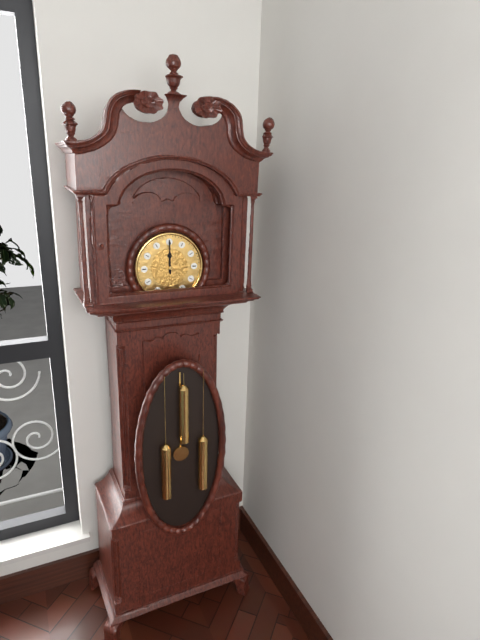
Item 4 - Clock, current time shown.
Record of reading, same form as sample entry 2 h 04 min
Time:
12 h 00 min
